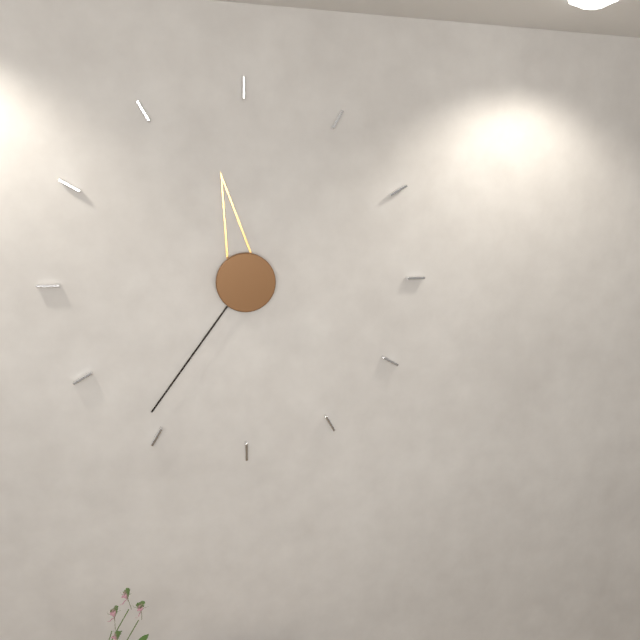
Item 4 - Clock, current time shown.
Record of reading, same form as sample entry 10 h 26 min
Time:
11 h 36 min
